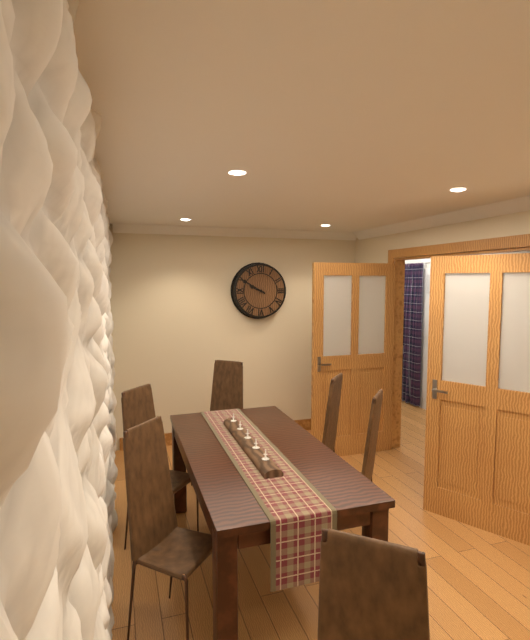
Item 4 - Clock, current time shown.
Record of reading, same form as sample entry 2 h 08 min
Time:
9 h 50 min
